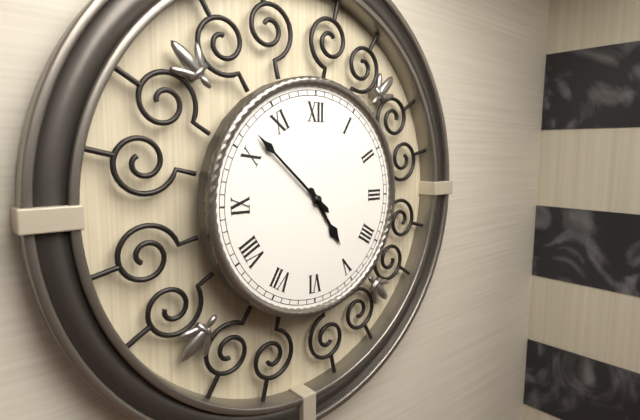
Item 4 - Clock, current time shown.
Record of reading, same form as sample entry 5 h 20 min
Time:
4 h 52 min
